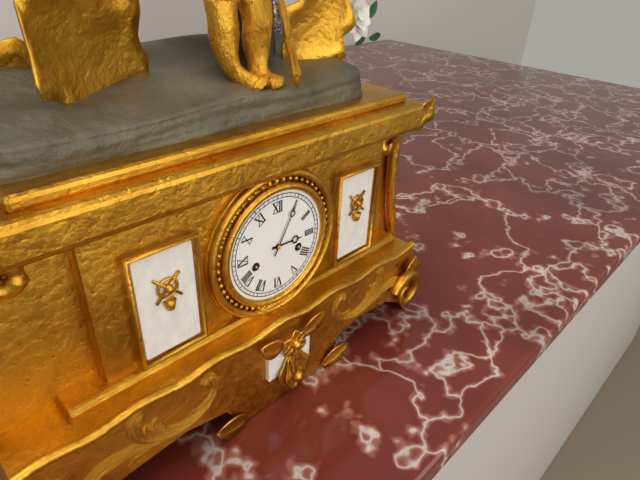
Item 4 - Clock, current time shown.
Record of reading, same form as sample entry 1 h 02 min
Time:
3 h 05 min
